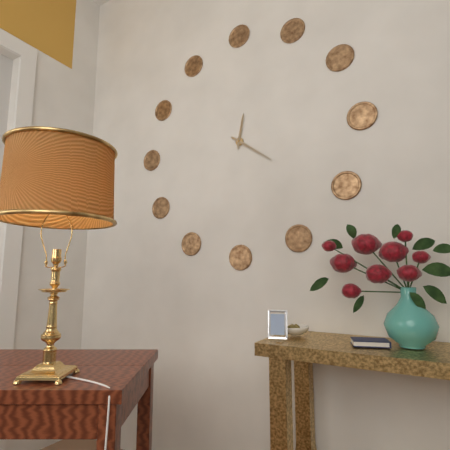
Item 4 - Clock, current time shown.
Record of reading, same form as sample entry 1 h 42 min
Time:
12 h 21 min
